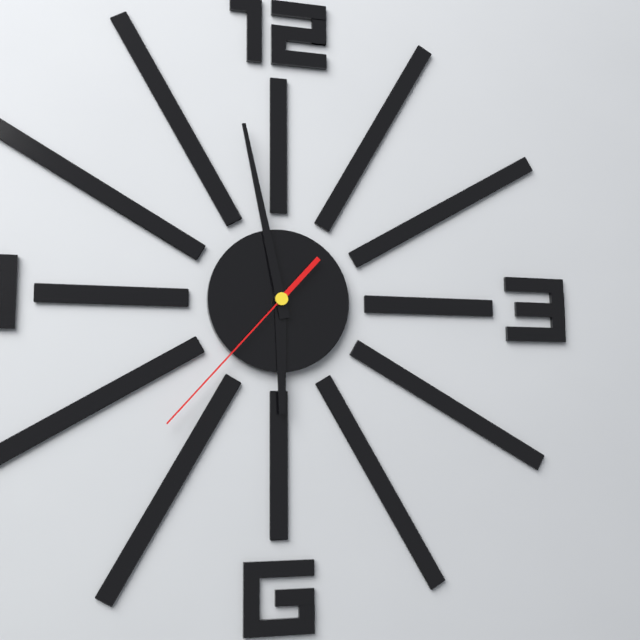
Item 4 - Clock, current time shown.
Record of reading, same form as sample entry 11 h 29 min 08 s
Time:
5 h 58 min 37 s
